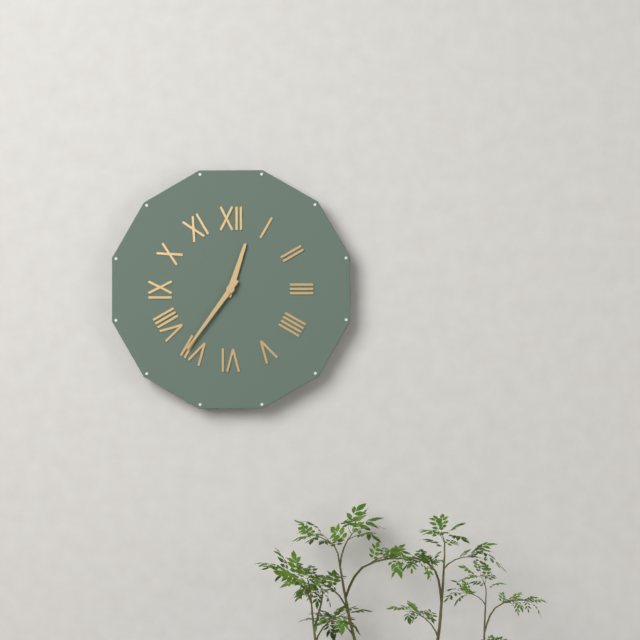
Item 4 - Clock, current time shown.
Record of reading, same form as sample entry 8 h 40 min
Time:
12 h 36 min
